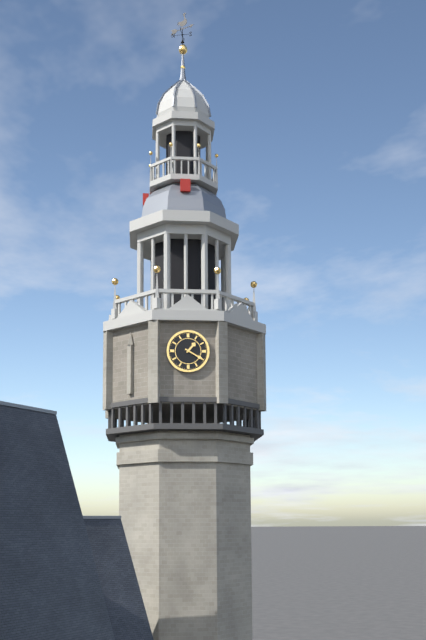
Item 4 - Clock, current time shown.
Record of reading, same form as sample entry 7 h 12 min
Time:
1 h 20 min
